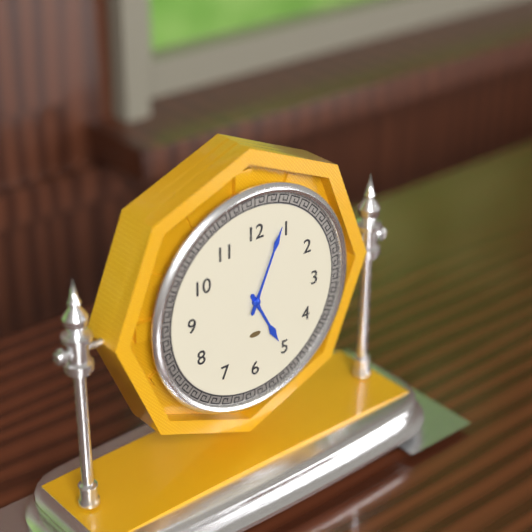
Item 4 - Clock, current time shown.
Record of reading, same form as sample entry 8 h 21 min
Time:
5 h 04 min
